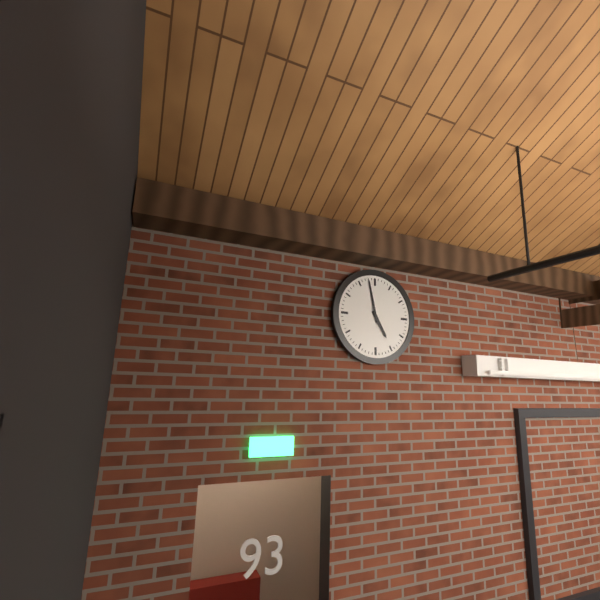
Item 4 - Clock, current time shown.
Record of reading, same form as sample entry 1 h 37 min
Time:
4 h 58 min
